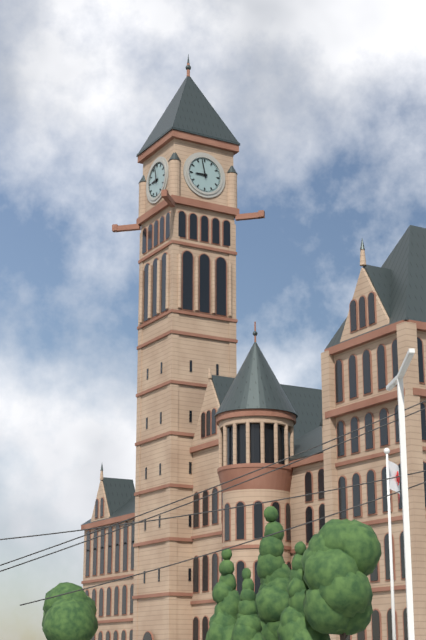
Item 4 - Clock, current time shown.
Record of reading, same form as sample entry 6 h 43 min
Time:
8 h 58 min
